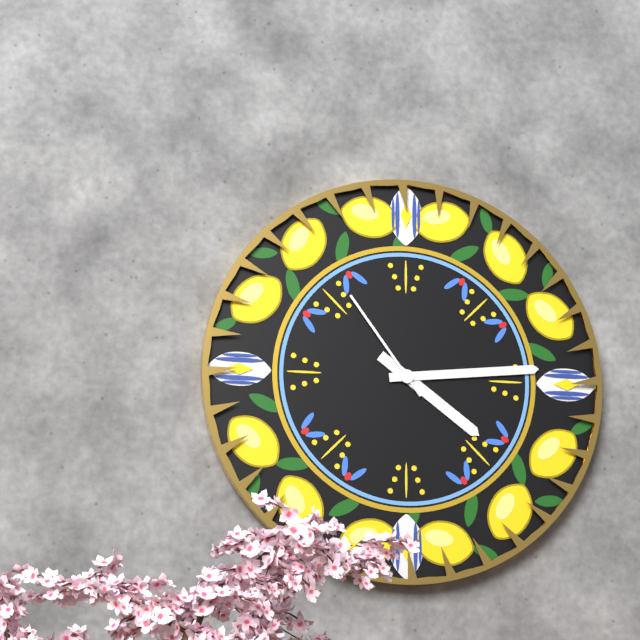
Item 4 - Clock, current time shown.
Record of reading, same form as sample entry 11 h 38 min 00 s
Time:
4 h 14 min 54 s
